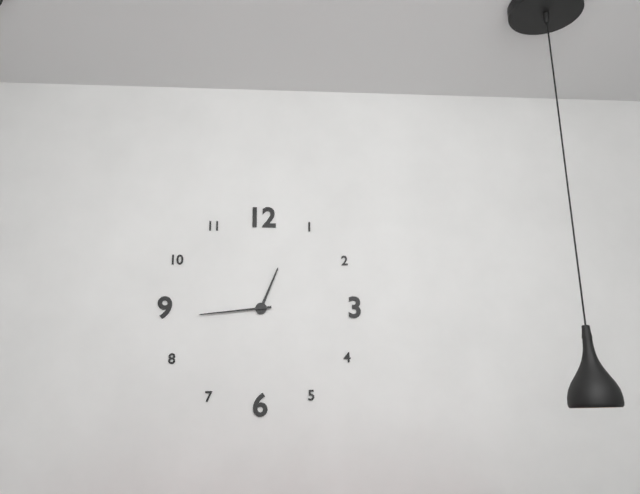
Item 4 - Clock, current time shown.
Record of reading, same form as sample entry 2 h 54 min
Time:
12 h 44 min
